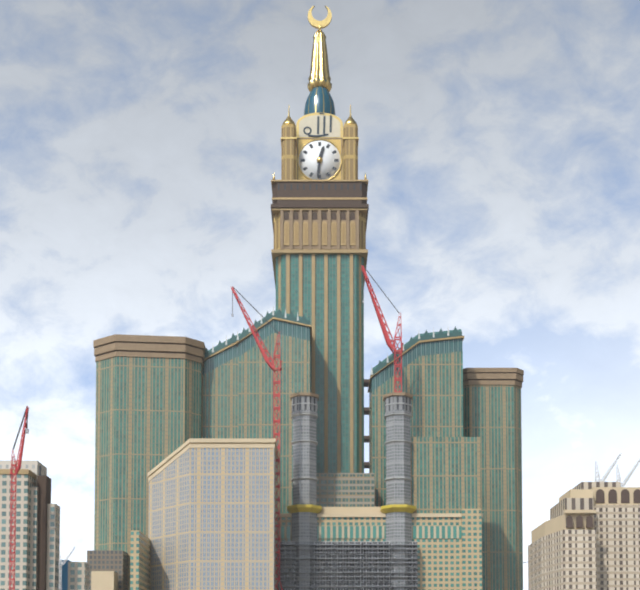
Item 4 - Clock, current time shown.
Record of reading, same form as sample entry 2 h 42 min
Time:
12 h 31 min
